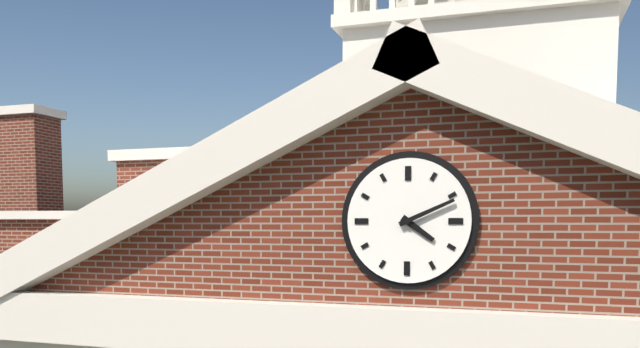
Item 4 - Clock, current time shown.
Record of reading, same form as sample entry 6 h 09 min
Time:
4 h 11 min
